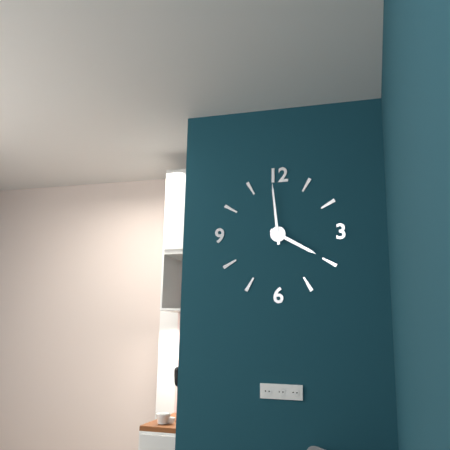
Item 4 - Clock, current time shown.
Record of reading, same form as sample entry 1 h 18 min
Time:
3 h 59 min
